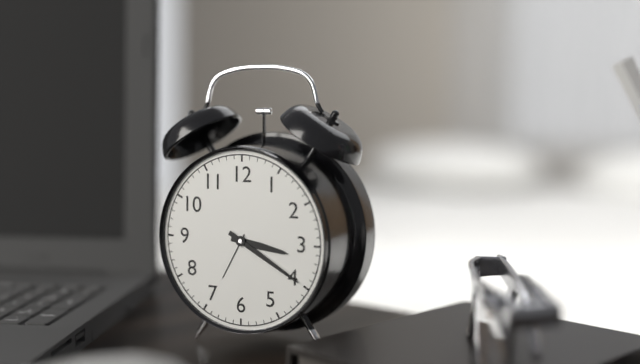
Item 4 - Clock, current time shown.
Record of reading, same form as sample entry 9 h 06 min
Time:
3 h 20 min
